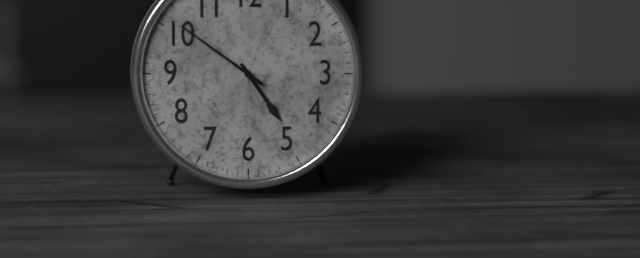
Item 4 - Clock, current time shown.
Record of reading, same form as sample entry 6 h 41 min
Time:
4 h 51 min
